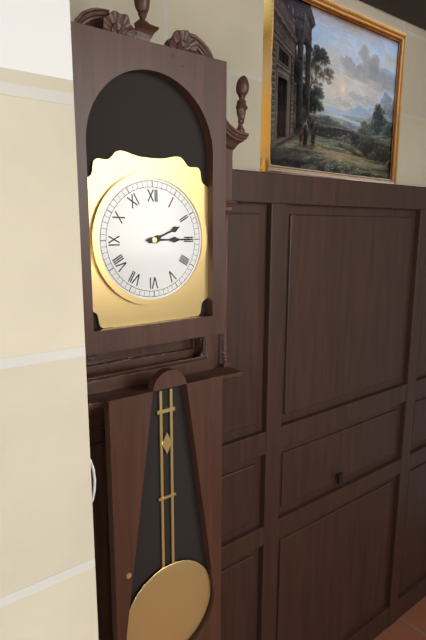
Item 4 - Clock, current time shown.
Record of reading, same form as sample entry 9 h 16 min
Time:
2 h 15 min
